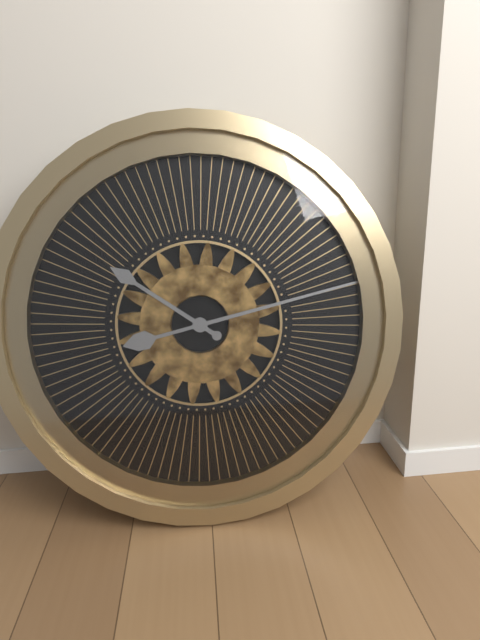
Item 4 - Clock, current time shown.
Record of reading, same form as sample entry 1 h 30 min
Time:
10 h 13 min
